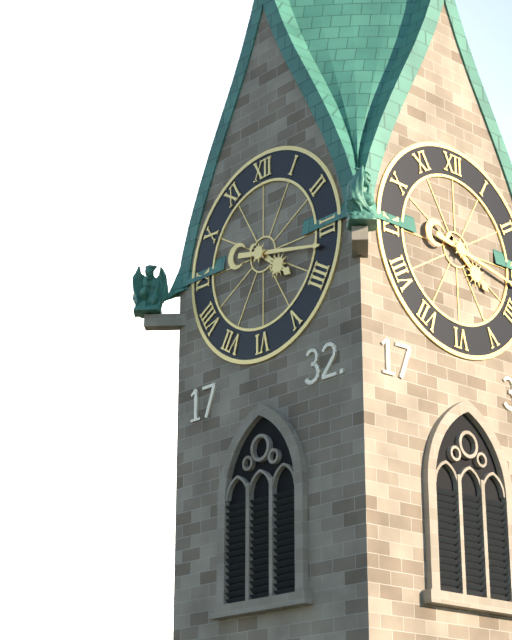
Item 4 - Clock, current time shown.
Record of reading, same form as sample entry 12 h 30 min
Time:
4 h 17 min
